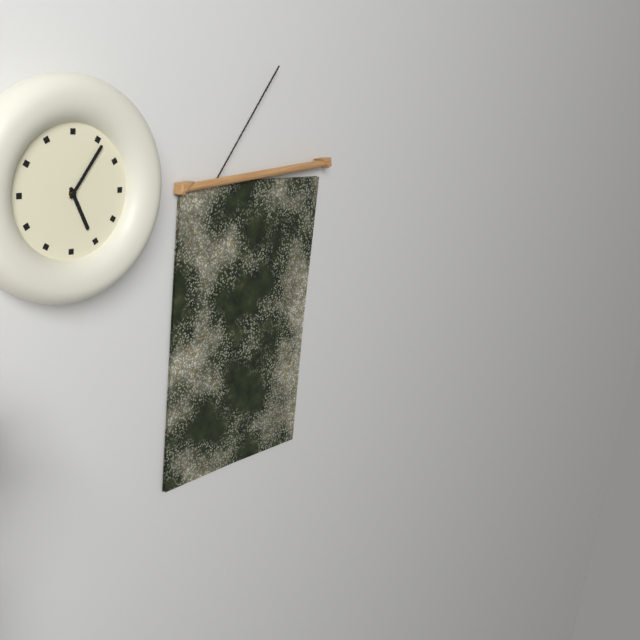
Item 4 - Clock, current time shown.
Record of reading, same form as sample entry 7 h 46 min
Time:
5 h 06 min
